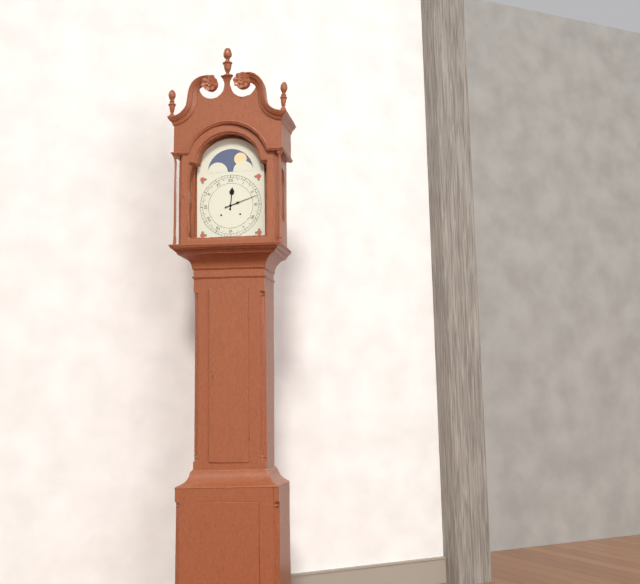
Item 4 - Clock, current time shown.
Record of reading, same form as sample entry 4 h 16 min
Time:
12 h 12 min
